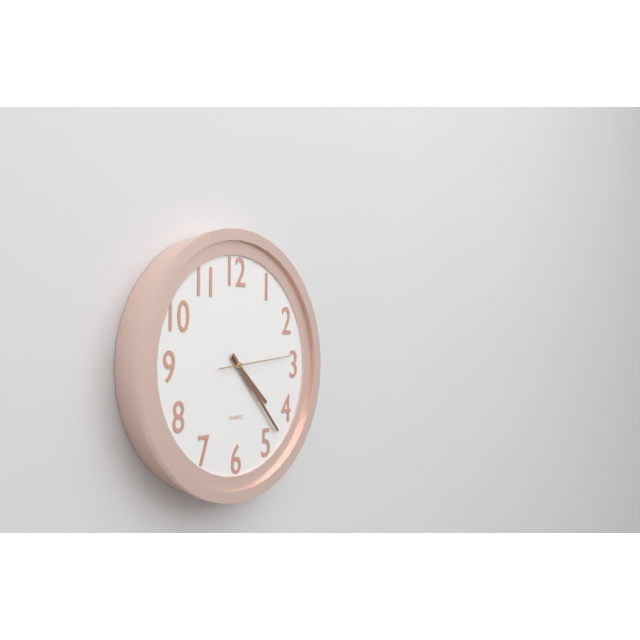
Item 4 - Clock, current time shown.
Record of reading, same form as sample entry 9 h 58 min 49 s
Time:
4 h 23 min 14 s
